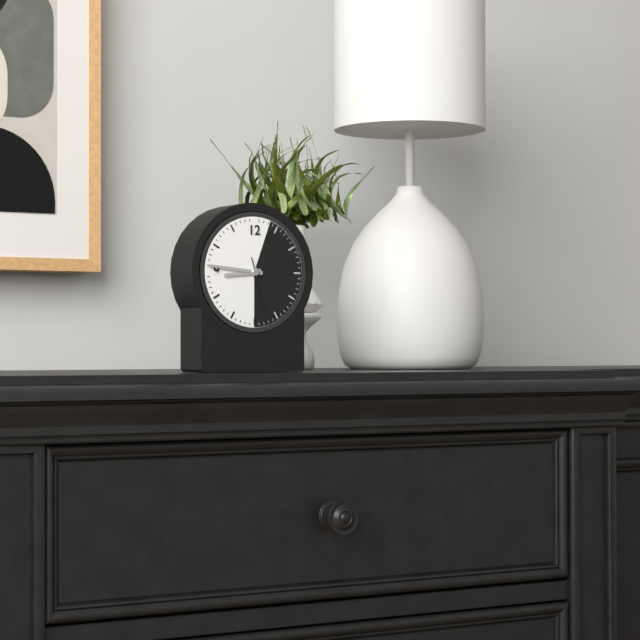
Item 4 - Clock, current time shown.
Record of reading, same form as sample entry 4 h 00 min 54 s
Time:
8 h 46 min 27 s
